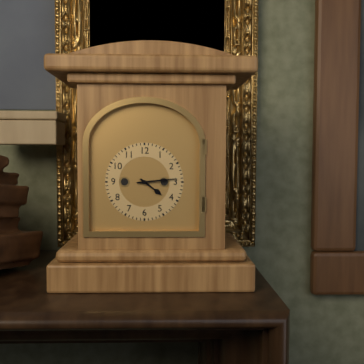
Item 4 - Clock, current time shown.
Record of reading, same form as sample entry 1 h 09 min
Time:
4 h 14 min
